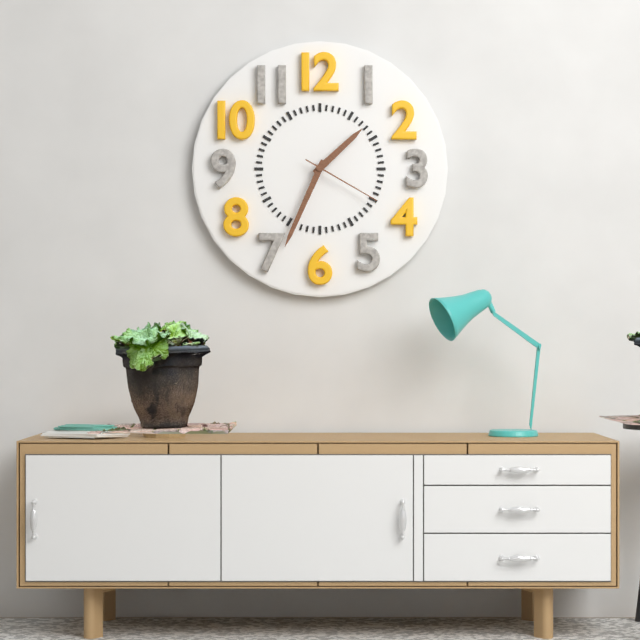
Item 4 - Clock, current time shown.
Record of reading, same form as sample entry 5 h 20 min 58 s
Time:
1 h 34 min 20 s
